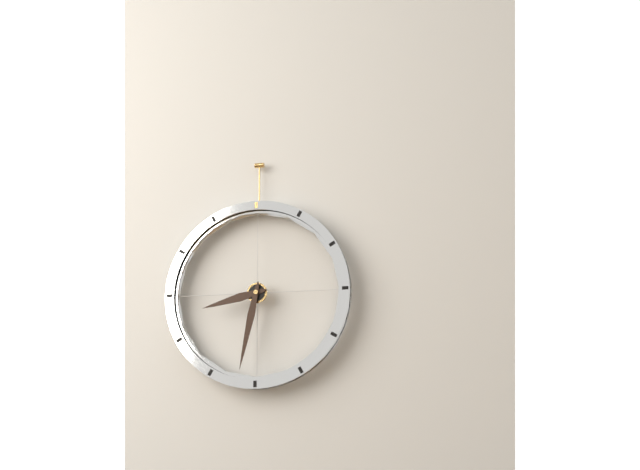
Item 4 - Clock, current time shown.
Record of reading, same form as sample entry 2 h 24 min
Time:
8 h 32 min
